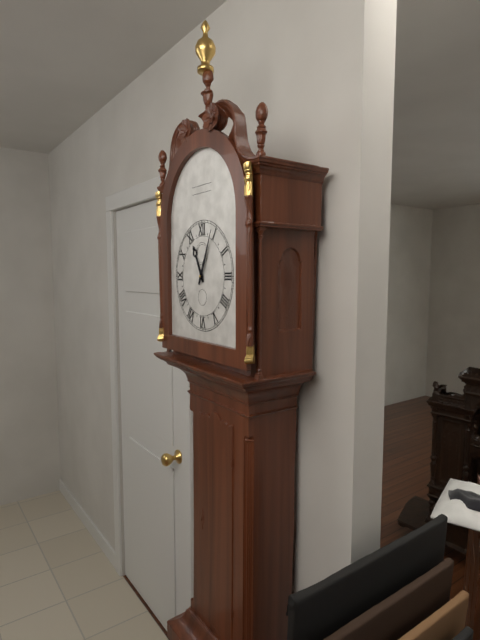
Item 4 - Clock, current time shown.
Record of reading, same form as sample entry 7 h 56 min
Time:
11 h 04 min
